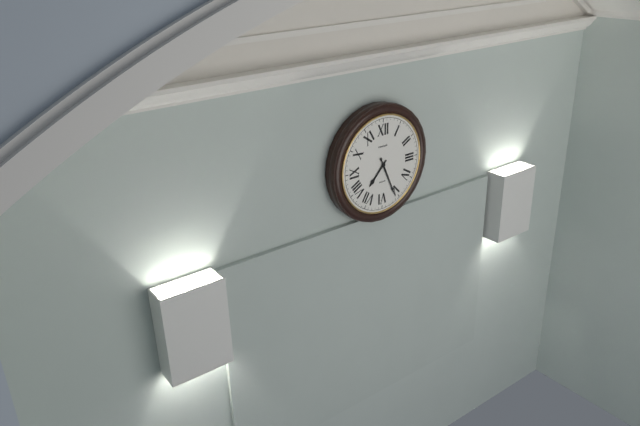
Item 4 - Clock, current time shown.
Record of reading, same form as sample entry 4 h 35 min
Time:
7 h 26 min
